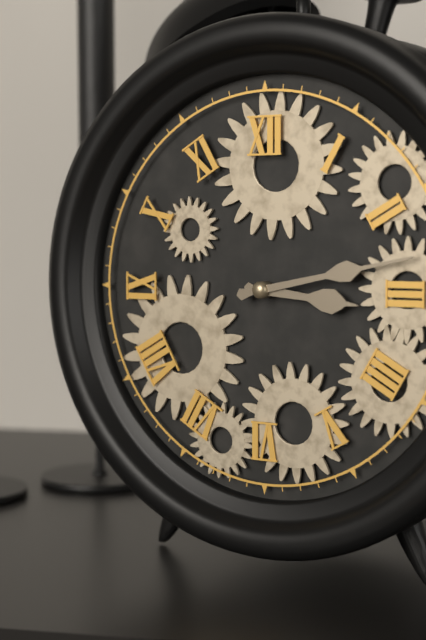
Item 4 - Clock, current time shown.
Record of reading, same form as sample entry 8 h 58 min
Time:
3 h 13 min
